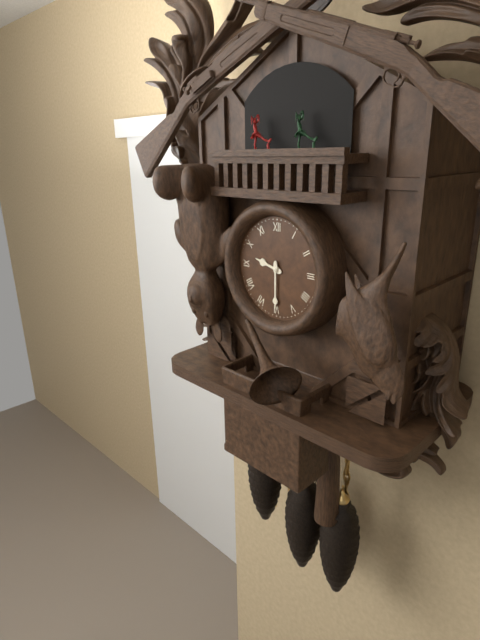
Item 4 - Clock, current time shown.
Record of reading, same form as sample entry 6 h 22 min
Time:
9 h 30 min
